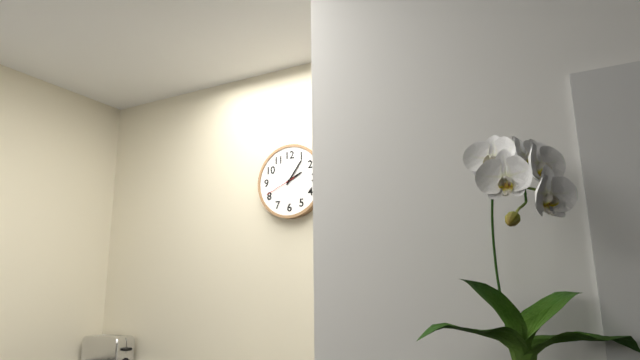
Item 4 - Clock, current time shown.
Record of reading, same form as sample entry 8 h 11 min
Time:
2 h 06 min
